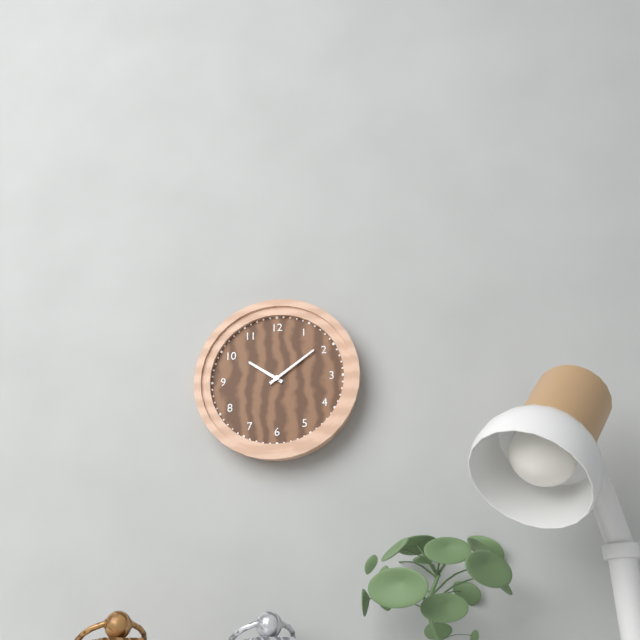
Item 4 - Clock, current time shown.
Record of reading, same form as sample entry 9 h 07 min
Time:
10 h 09 min
